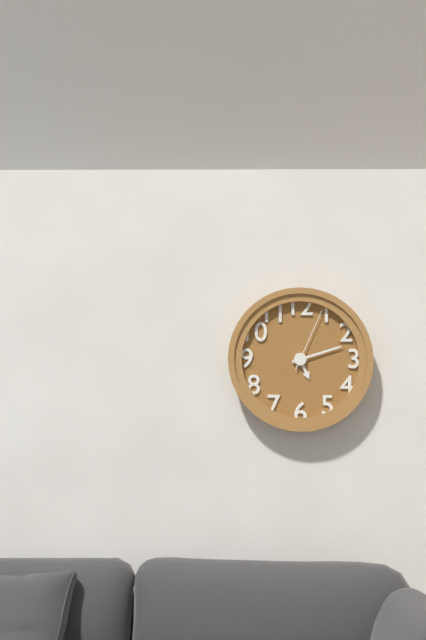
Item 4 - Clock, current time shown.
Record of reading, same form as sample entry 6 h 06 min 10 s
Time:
5 h 12 min 04 s
